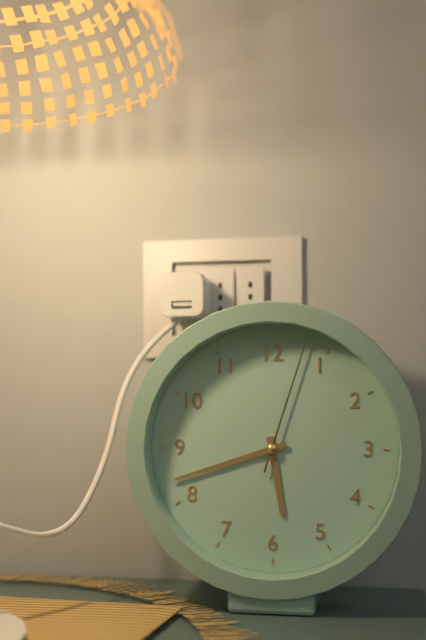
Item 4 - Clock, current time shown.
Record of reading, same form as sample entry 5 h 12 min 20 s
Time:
5 h 42 min 03 s
